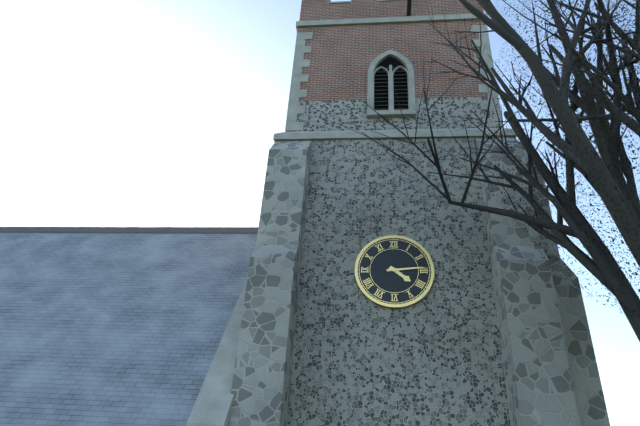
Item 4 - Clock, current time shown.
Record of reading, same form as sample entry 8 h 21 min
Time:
4 h 14 min
